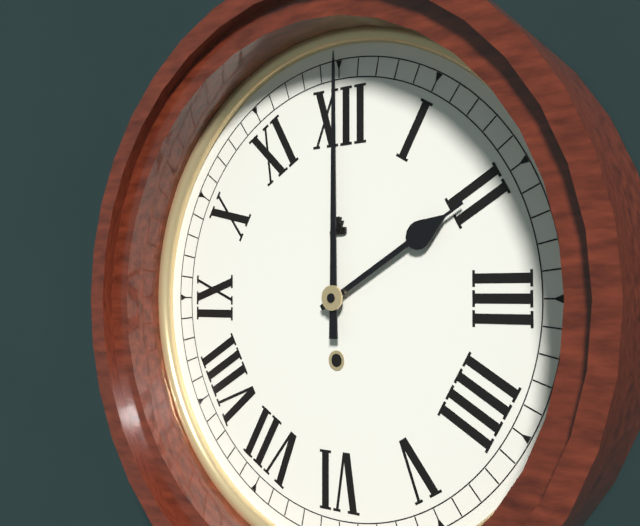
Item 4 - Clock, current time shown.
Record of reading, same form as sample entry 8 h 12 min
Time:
2 h 00 min
